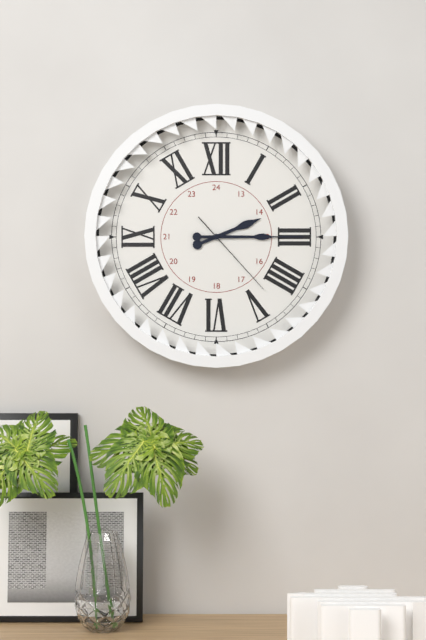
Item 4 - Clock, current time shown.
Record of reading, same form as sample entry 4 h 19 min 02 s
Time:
2 h 15 min 23 s
